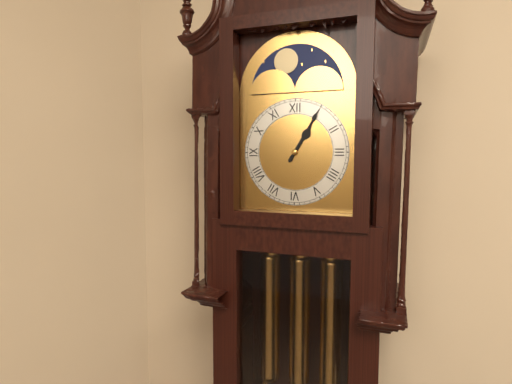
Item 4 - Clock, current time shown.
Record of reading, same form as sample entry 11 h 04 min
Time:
1 h 05 min
